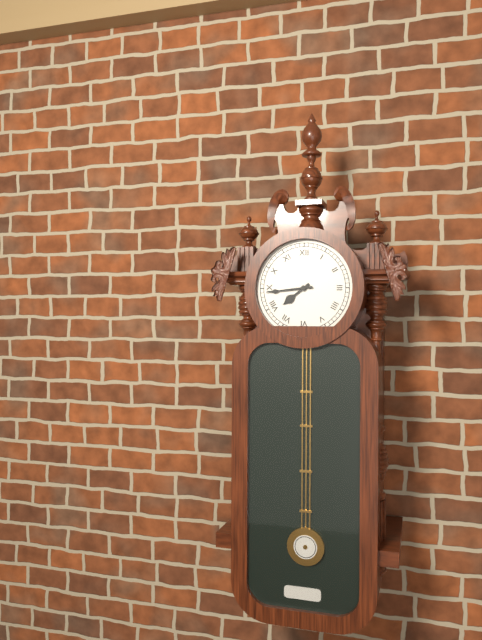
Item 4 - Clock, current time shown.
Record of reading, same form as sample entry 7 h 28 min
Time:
7 h 44 min
